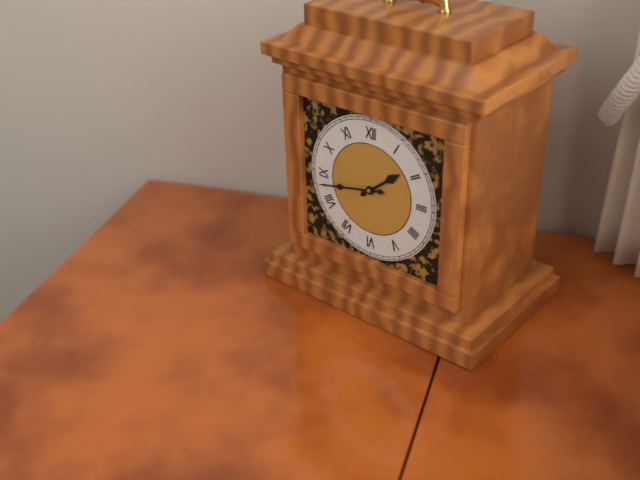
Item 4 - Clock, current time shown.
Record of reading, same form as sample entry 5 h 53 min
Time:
1 h 43 min
